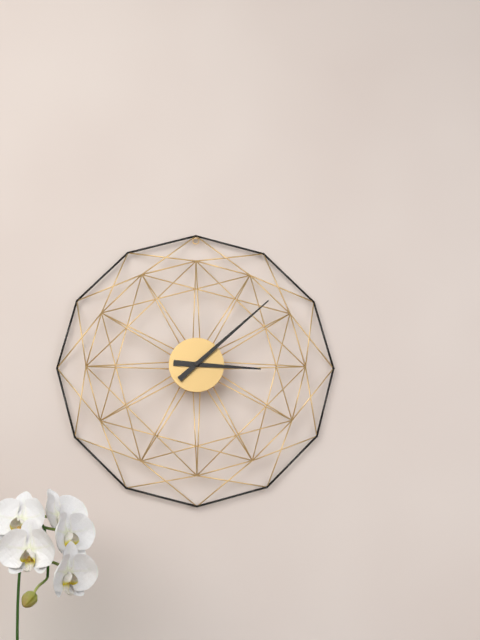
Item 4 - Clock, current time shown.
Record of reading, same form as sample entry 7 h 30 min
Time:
3 h 08 min
